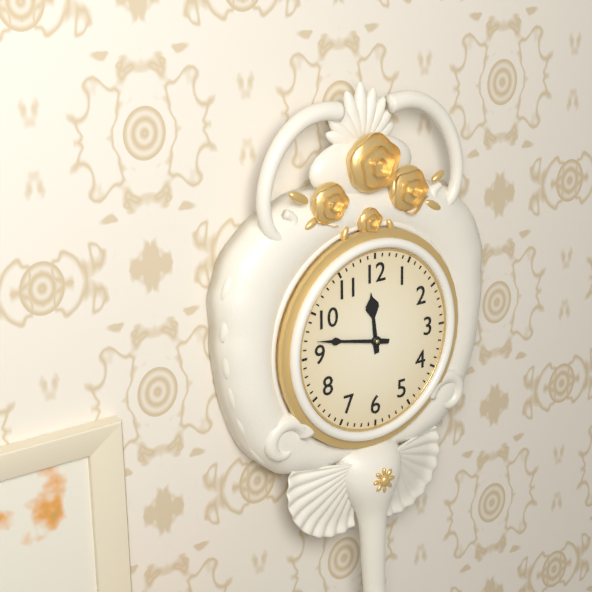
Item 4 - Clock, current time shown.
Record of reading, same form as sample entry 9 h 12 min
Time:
11 h 47 min
